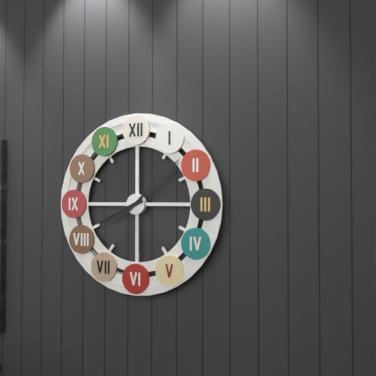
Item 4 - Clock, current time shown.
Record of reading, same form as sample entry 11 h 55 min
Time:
8 h 08 min
